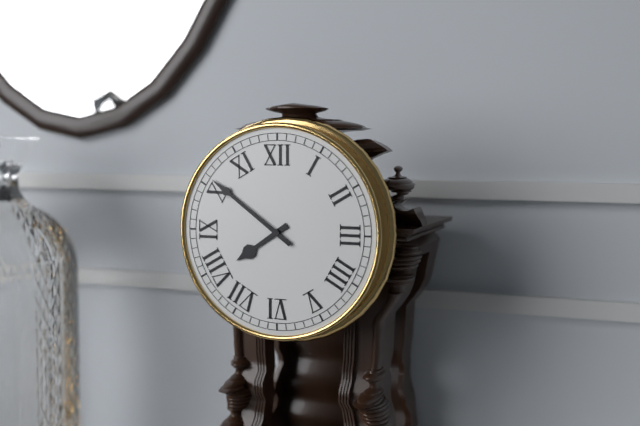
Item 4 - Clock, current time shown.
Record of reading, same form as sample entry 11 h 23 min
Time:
7 h 51 min
